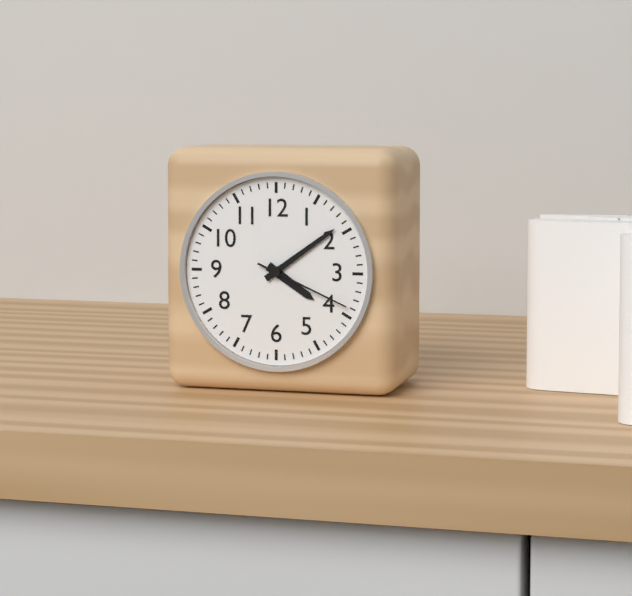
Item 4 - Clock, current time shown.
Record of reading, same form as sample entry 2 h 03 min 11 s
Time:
4 h 09 min 19 s
